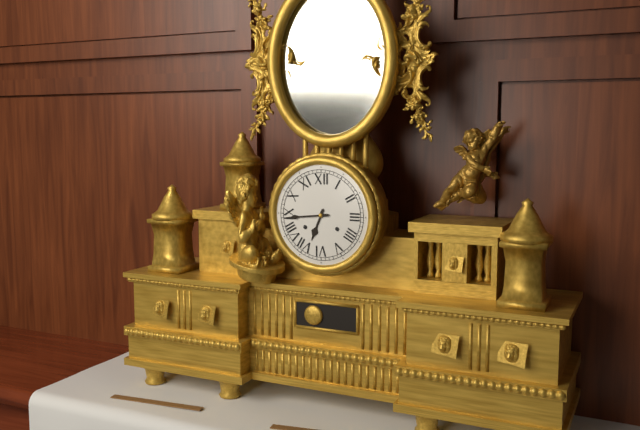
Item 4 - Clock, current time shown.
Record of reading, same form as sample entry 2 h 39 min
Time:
6 h 44 min
